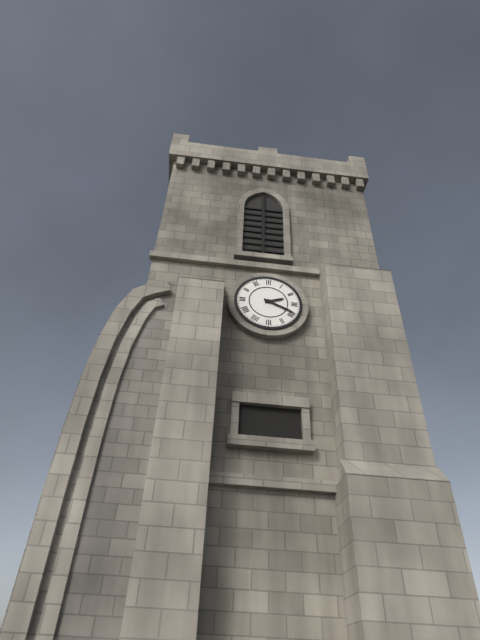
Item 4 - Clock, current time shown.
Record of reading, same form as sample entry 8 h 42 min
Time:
2 h 19 min
